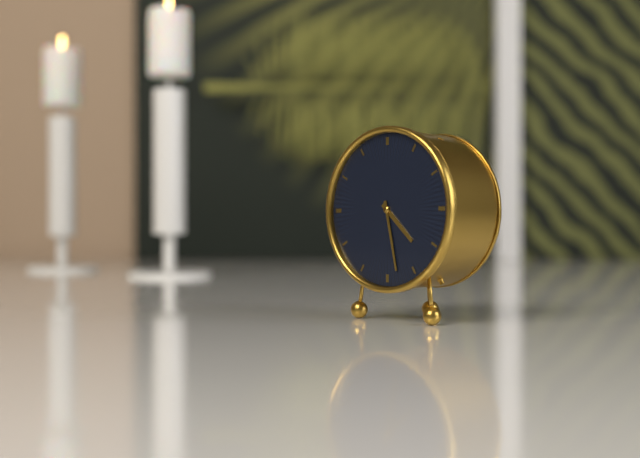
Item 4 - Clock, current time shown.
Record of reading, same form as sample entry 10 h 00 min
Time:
4 h 28 min
